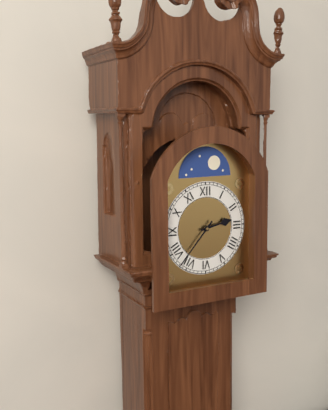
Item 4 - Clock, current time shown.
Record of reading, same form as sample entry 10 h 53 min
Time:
2 h 37 min
